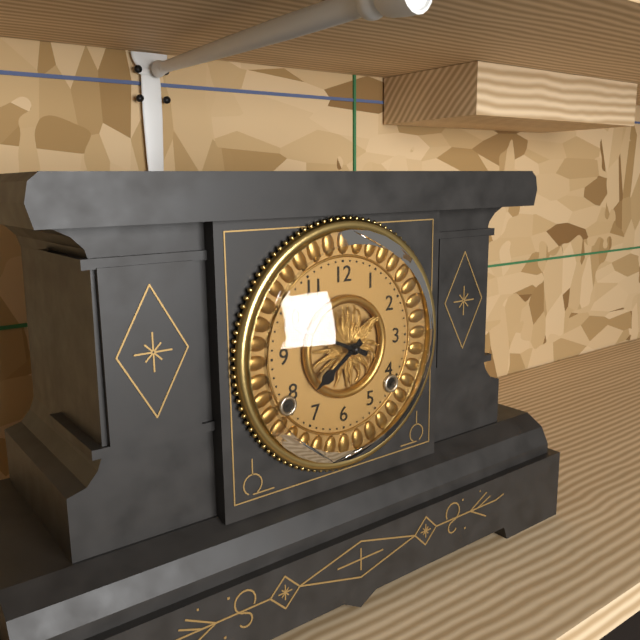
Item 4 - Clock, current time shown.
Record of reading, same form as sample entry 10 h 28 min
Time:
7 h 49 min
